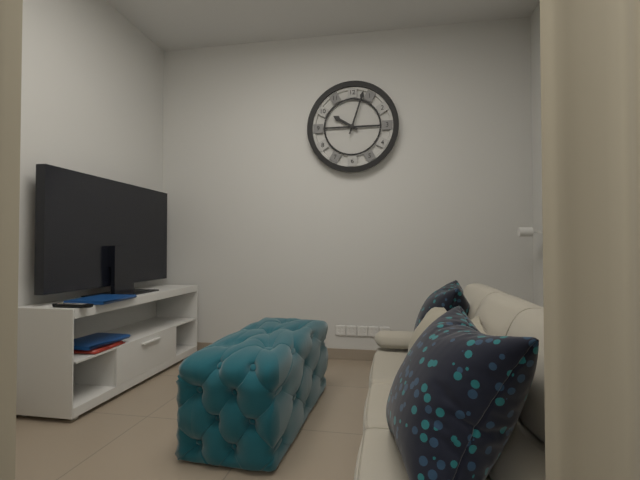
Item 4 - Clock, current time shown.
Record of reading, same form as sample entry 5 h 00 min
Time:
10 h 03 min
